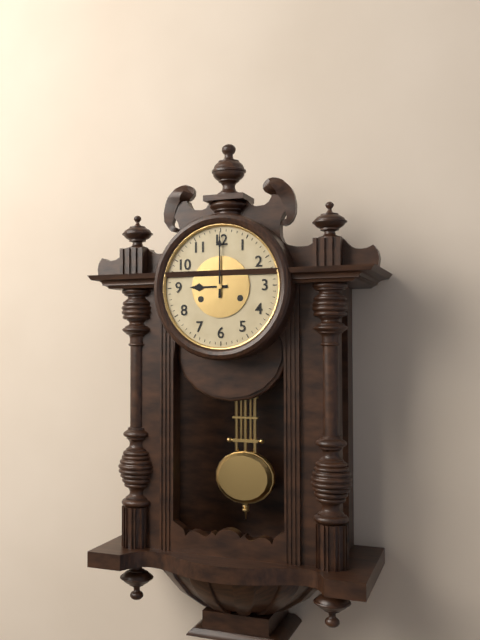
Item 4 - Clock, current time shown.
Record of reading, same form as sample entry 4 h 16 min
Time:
9 h 00 min
